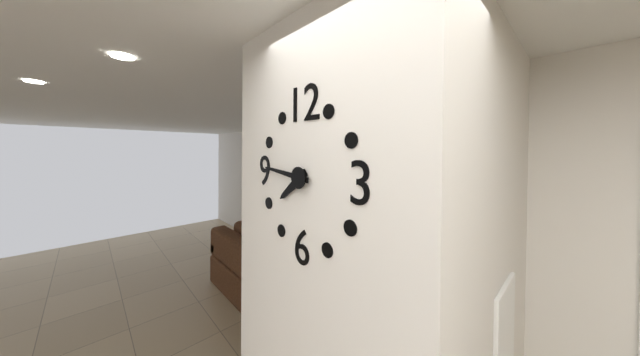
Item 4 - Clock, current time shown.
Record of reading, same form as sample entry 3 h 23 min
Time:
7 h 46 min
